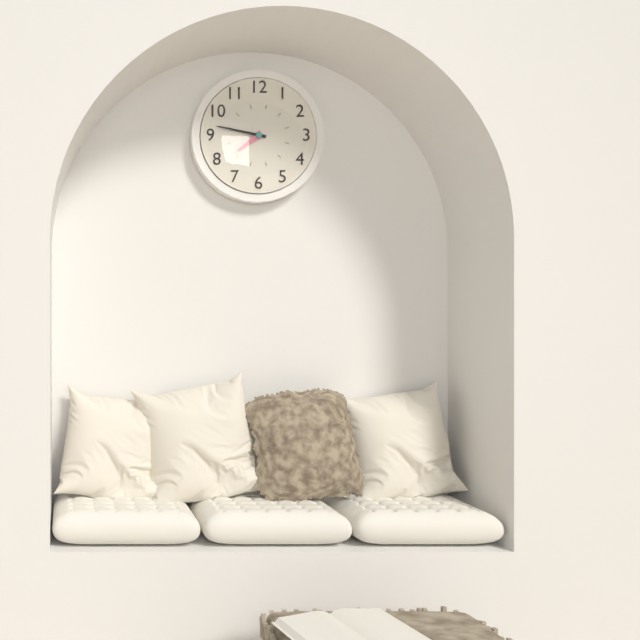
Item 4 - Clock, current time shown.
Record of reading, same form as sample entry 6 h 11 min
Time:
7 h 47 min
